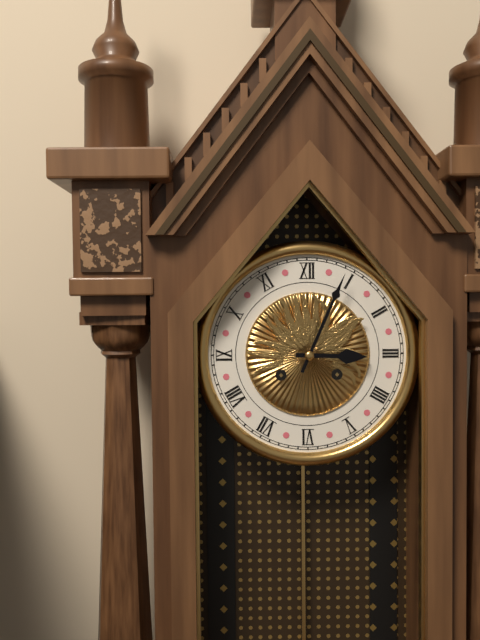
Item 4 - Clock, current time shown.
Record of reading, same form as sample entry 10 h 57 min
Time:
3 h 04 min
